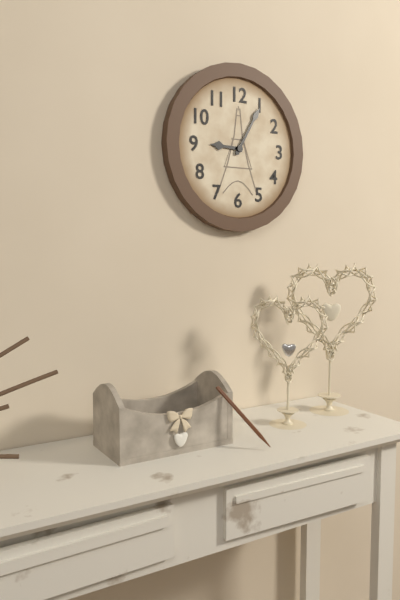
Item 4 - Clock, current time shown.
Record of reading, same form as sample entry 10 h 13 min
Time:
9 h 05 min
